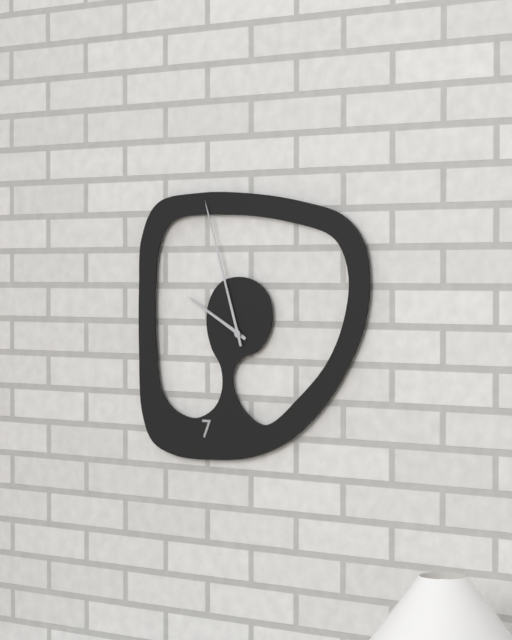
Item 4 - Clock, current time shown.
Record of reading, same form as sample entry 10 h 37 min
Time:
9 h 57 min
